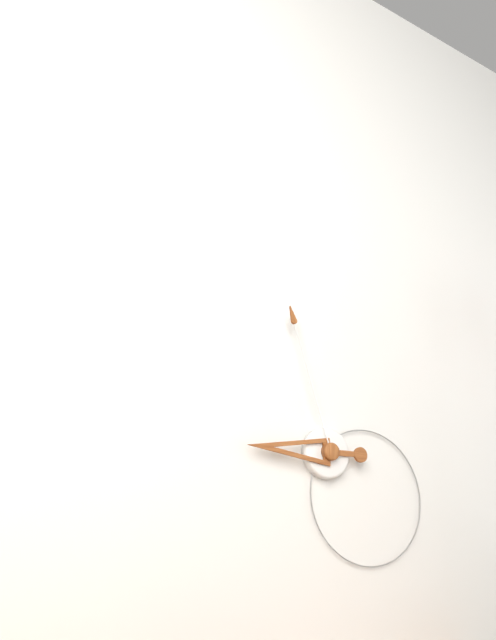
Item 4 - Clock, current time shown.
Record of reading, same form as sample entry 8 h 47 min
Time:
8 h 57 min
